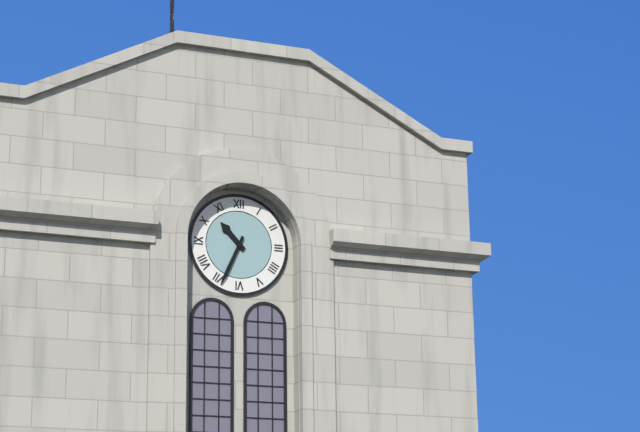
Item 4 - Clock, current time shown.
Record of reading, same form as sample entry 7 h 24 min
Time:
10 h 34 min
